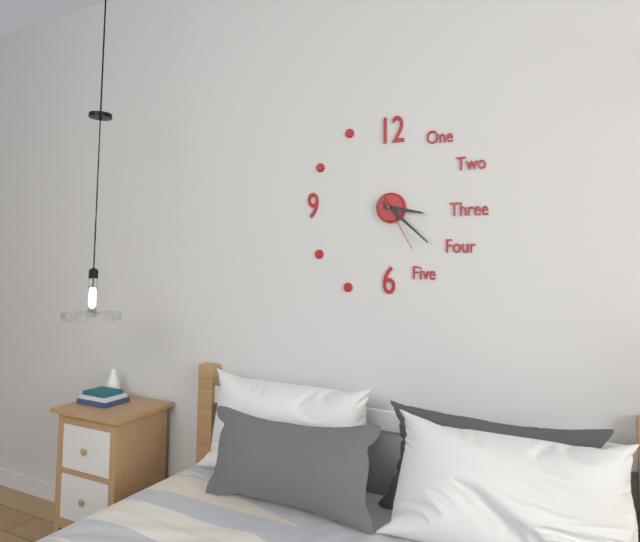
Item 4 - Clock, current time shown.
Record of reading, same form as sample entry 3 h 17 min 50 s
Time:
3 h 22 min 25 s
